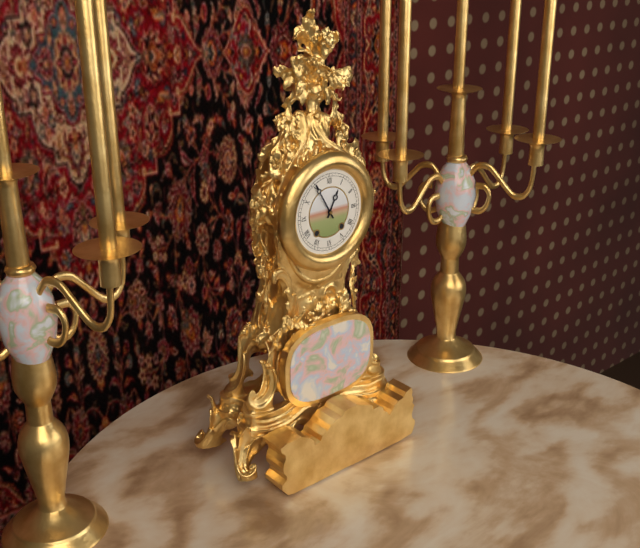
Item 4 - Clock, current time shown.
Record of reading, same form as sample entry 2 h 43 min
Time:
12 h 55 min
